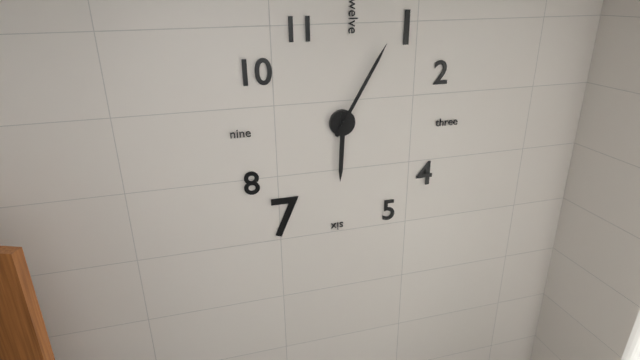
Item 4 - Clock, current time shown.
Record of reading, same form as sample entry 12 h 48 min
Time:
6 h 05 min
